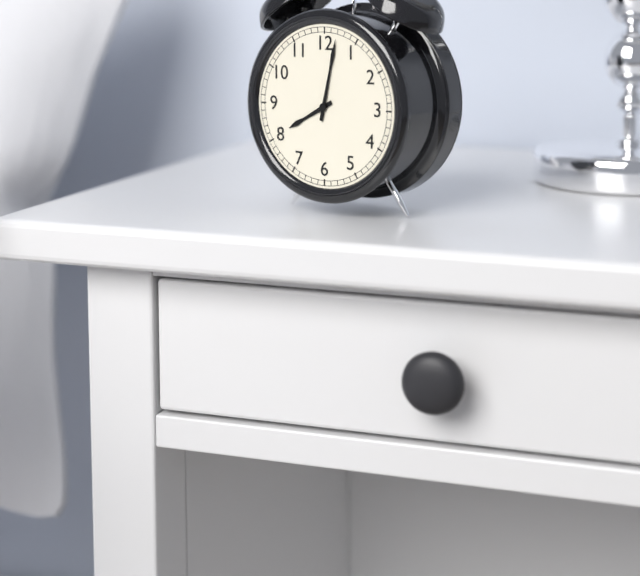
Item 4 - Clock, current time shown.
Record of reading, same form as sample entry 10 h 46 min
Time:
8 h 02 min
